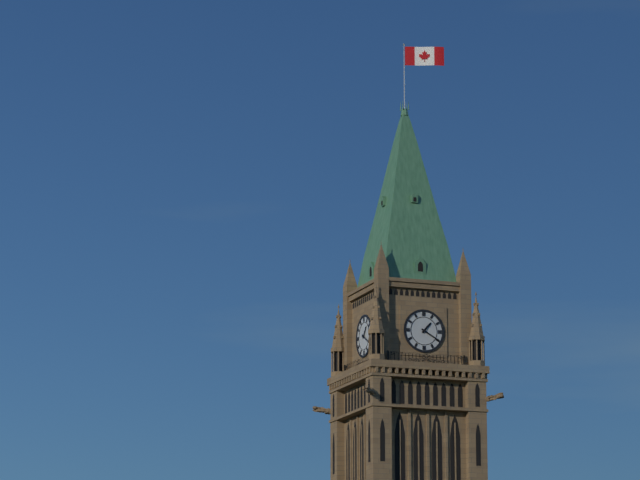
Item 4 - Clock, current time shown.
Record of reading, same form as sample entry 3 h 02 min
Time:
1 h 20 min
